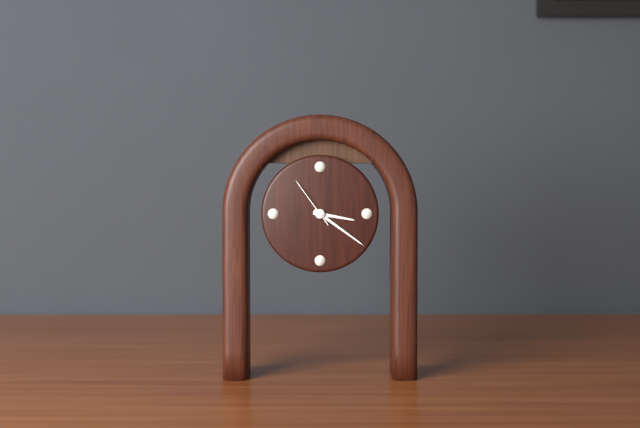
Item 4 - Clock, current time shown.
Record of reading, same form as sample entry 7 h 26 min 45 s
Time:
3 h 21 min 54 s
